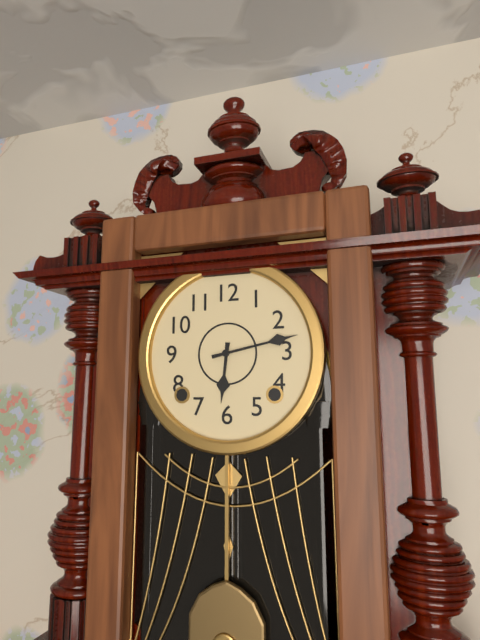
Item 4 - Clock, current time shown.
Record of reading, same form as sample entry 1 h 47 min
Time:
6 h 13 min
